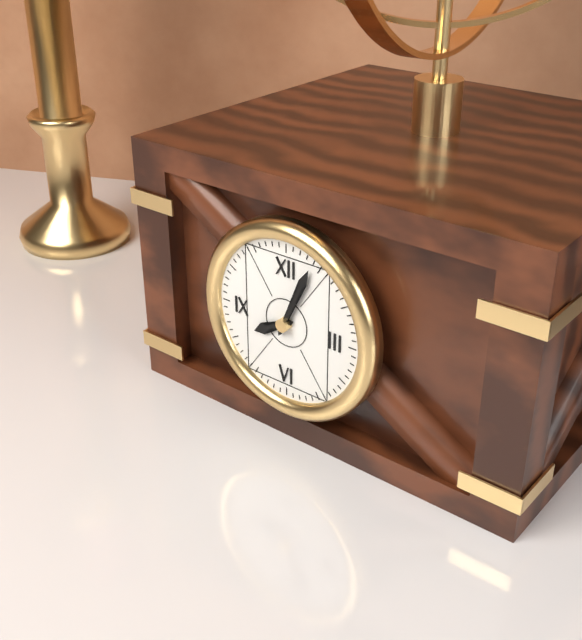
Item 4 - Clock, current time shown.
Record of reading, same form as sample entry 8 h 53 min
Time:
8 h 04 min
